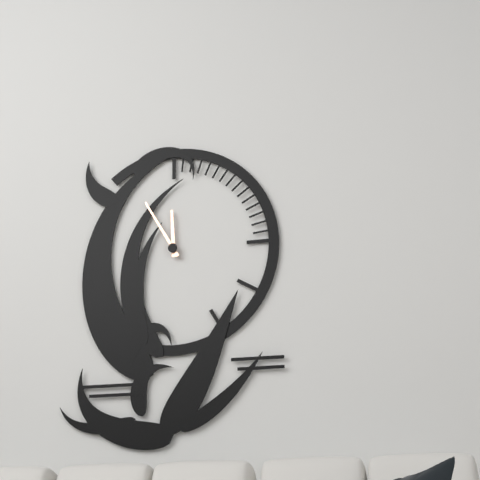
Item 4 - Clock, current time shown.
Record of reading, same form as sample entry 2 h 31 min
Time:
11 h 55 min
